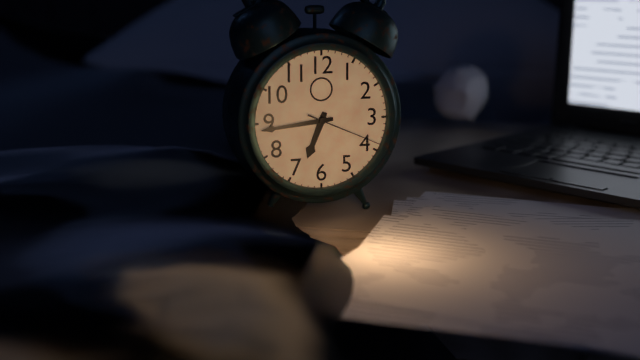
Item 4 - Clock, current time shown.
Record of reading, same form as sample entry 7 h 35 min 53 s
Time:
6 h 44 min 19 s
